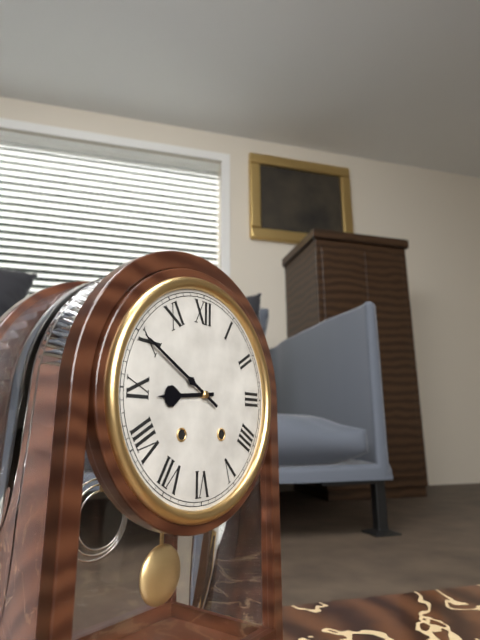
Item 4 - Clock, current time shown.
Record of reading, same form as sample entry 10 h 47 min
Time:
8 h 50 min
